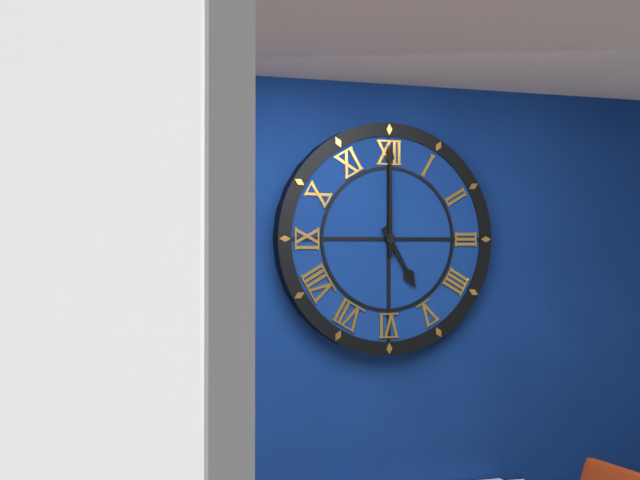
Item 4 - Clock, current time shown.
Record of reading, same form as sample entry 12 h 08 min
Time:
5 h 00 min
